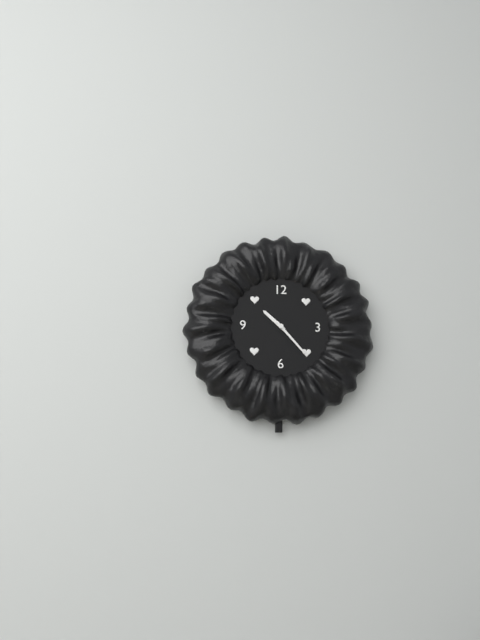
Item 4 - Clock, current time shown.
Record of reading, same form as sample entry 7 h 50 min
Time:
10 h 23 min
